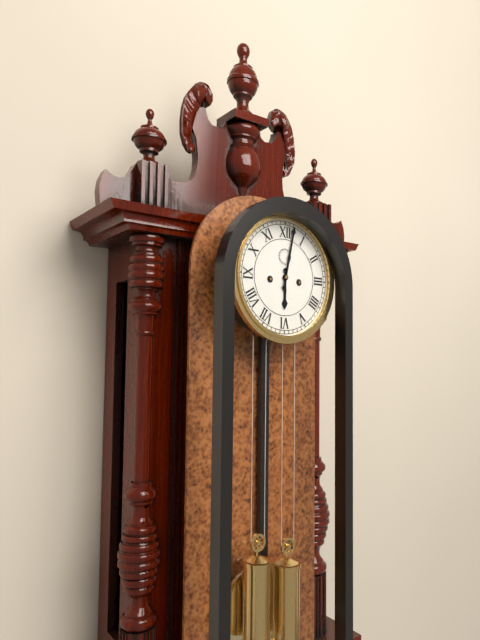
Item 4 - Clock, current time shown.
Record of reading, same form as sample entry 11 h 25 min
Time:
6 h 02 min
